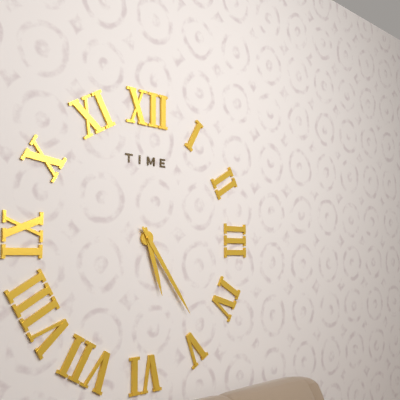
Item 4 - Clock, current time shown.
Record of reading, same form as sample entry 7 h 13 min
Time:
5 h 24 min
